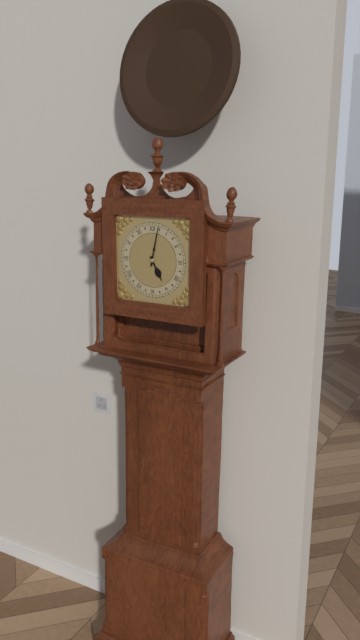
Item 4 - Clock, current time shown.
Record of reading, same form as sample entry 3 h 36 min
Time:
5 h 02 min
